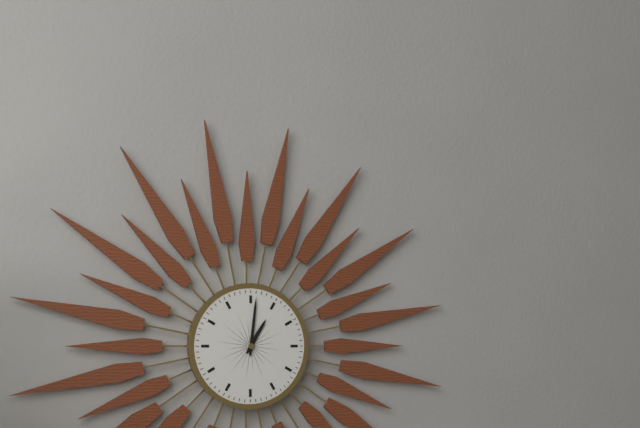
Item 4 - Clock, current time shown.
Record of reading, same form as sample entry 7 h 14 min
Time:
1 h 01 min
